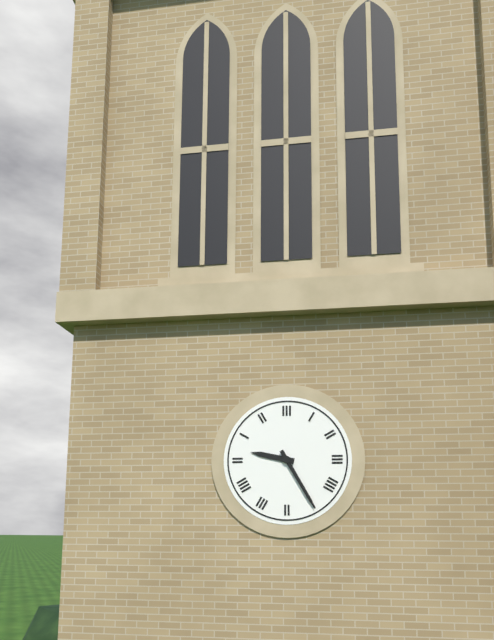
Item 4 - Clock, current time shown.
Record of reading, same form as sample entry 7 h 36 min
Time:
9 h 25 min
